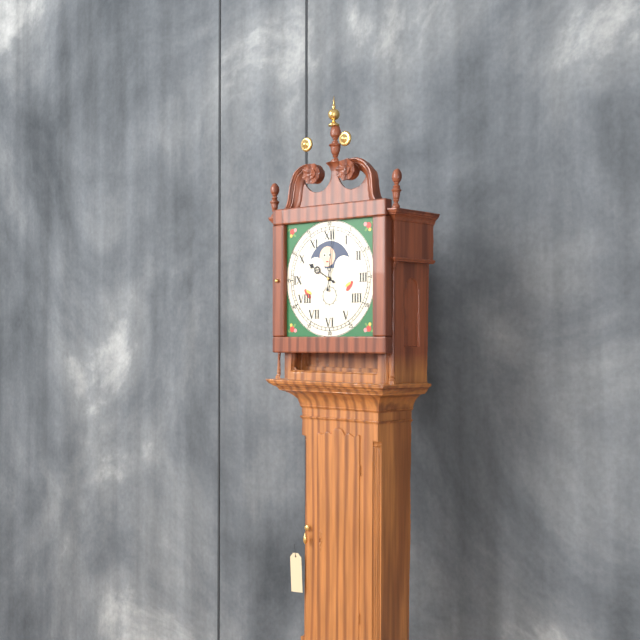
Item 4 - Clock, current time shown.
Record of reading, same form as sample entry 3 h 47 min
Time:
10 h 01 min
